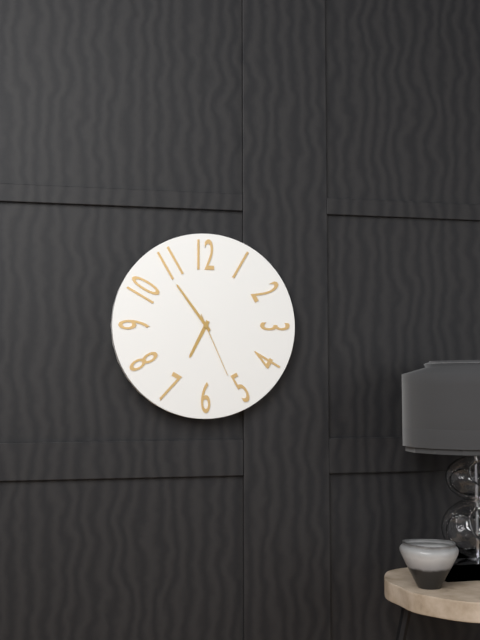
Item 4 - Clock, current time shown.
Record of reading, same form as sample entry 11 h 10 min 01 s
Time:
6 h 54 min 26 s
